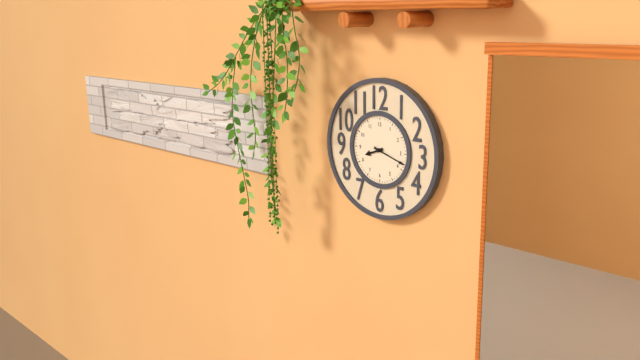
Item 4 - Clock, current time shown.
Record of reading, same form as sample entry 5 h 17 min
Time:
8 h 18 min
